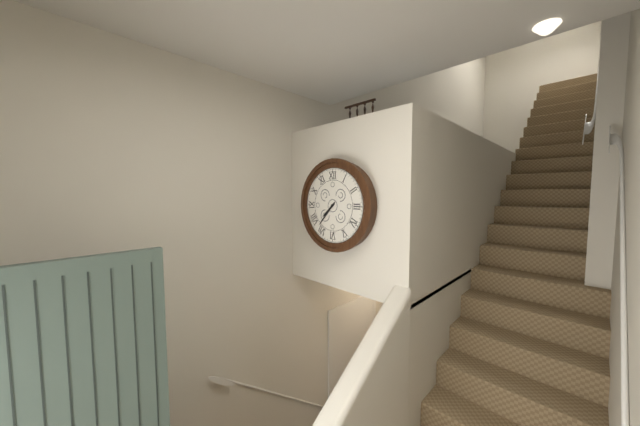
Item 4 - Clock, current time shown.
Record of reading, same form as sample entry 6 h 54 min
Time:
7 h 37 min
